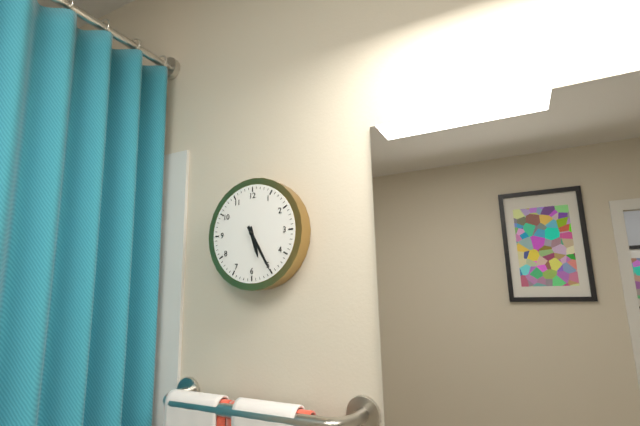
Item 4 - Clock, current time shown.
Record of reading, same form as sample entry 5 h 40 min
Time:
5 h 25 min
